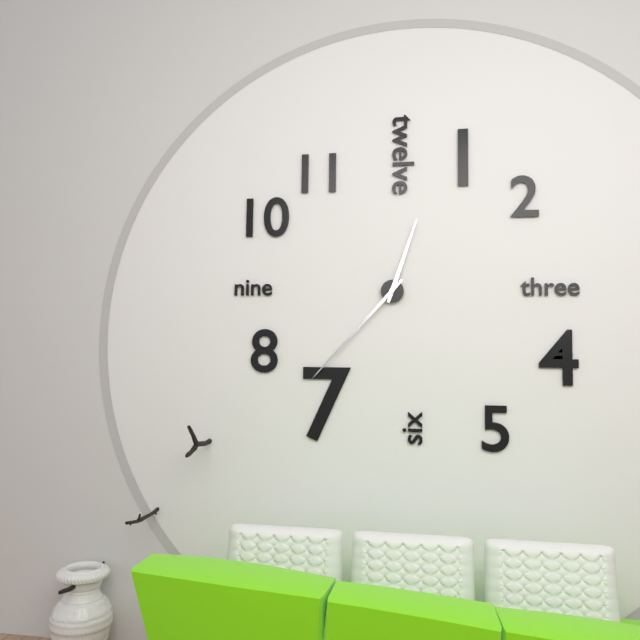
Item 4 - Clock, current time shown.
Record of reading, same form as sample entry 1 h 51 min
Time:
12 h 37 min
